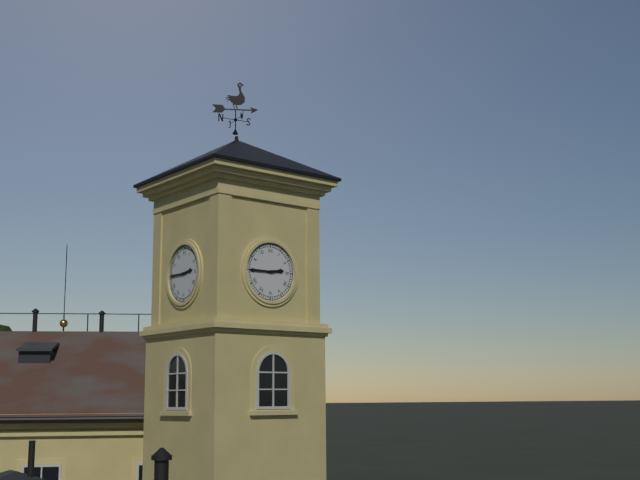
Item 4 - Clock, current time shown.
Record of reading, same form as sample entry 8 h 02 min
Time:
2 h 45 min
